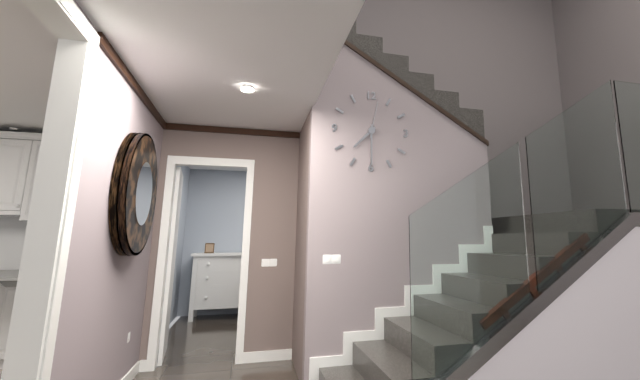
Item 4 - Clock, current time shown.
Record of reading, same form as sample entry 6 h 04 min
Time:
7 h 30 min
